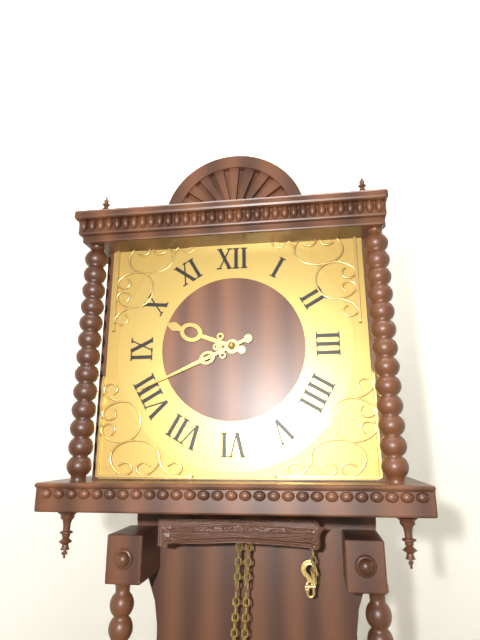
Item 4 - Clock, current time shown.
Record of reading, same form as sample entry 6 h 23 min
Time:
9 h 41 min
